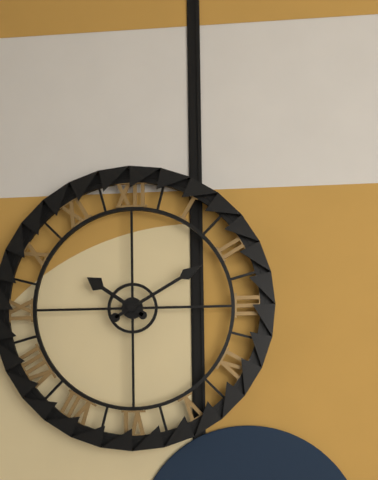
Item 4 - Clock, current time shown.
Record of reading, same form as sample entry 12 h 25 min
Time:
10 h 10 min
